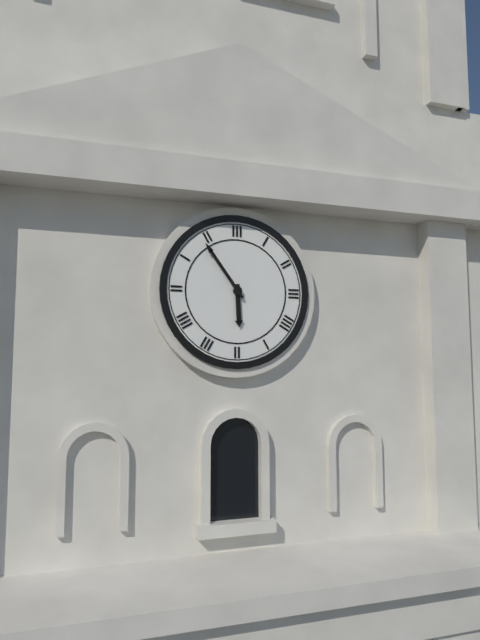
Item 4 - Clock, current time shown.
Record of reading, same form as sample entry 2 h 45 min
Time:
5 h 54 min
